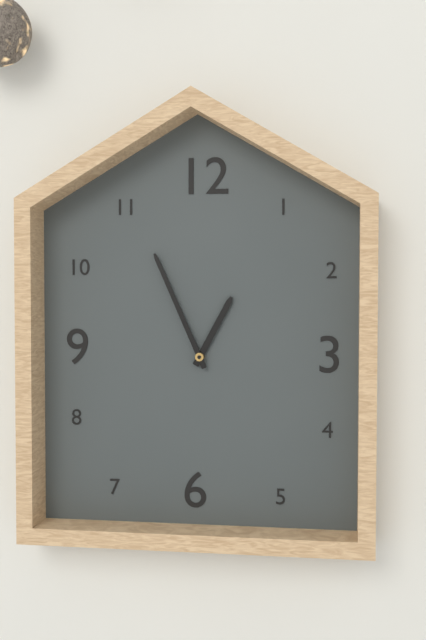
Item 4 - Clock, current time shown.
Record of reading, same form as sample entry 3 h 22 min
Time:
12 h 56 min
